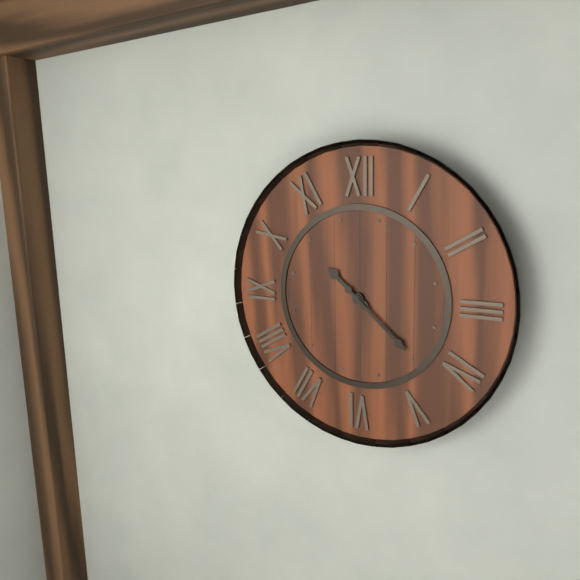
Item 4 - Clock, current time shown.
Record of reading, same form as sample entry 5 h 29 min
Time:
10 h 22 min
